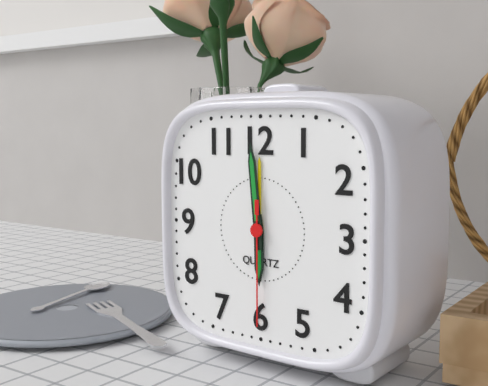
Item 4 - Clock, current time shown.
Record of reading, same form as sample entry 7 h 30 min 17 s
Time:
5 h 59 min 30 s
